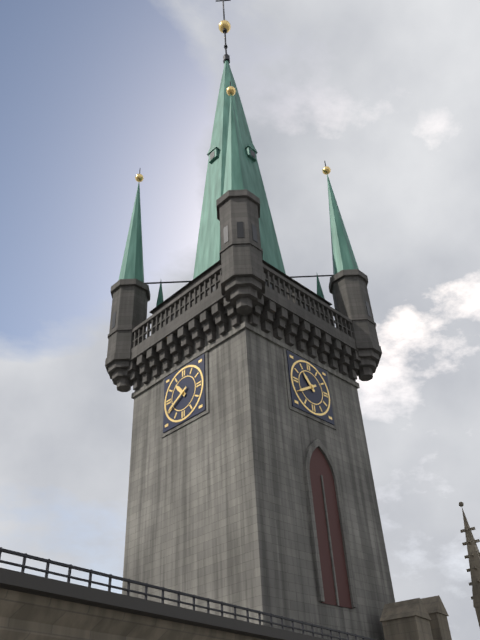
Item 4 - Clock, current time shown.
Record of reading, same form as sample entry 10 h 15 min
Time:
10 h 40 min
